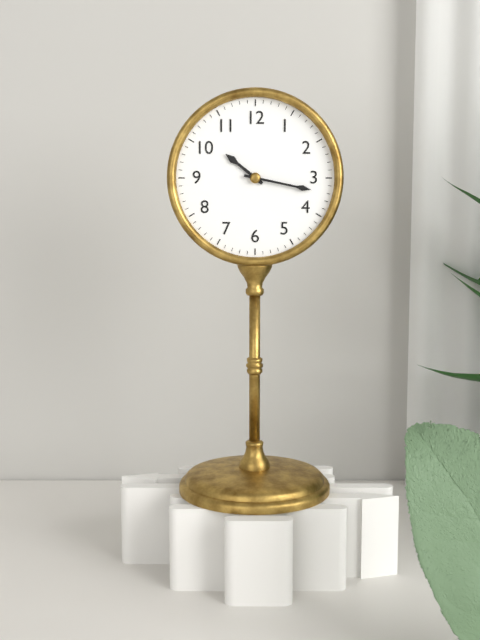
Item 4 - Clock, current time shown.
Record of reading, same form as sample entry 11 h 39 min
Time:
10 h 17 min
